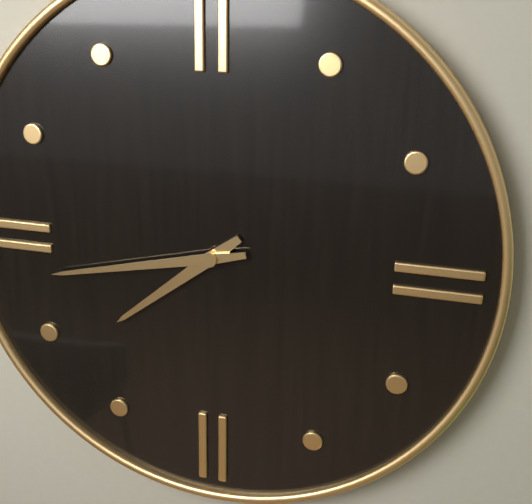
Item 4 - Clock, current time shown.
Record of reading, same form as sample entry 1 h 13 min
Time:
7 h 43 min
